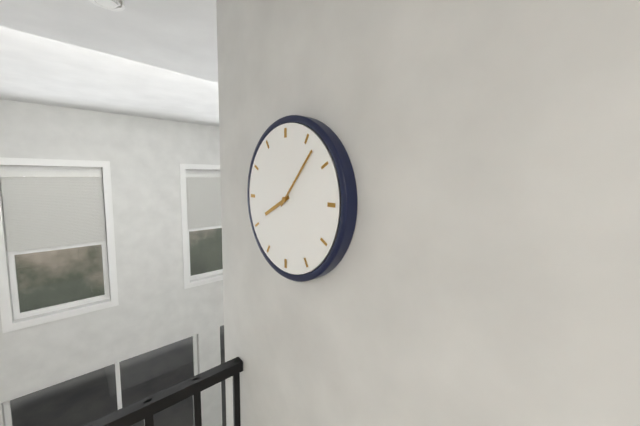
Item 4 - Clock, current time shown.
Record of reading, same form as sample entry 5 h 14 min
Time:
8 h 07 min
